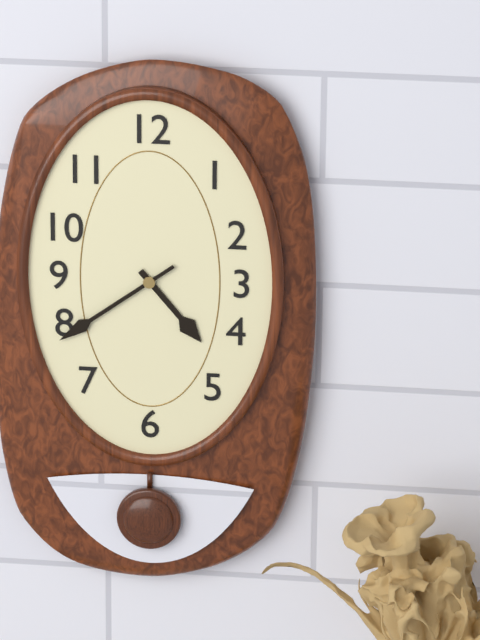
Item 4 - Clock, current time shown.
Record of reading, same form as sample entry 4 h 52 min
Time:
4 h 39 min
